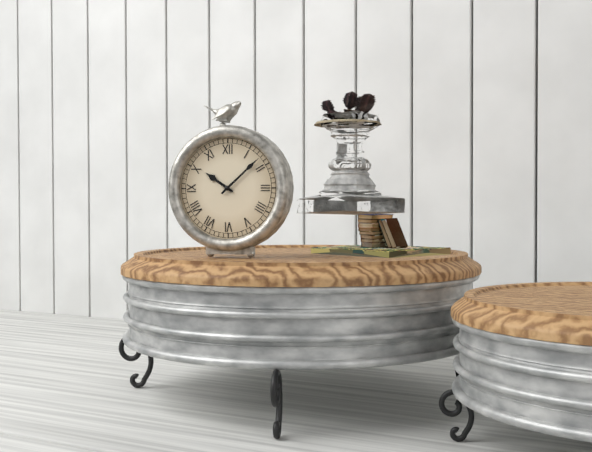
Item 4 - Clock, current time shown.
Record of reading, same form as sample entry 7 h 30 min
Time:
10 h 08 min
